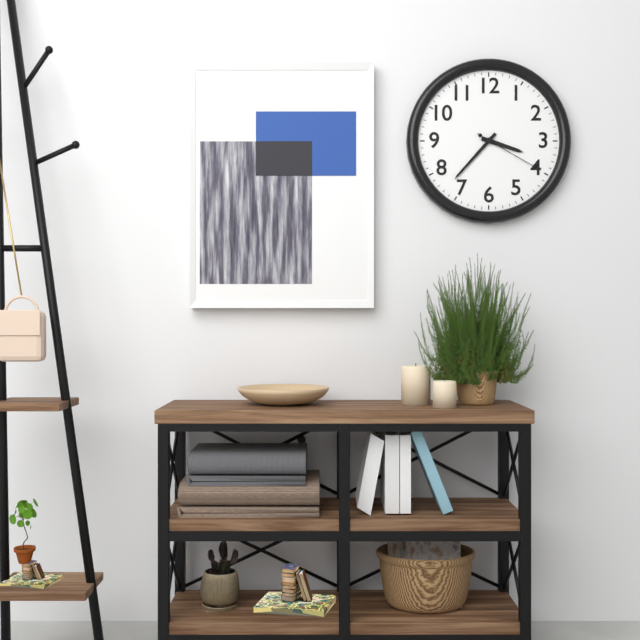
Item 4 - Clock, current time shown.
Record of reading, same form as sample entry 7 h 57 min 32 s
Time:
3 h 37 min 20 s
